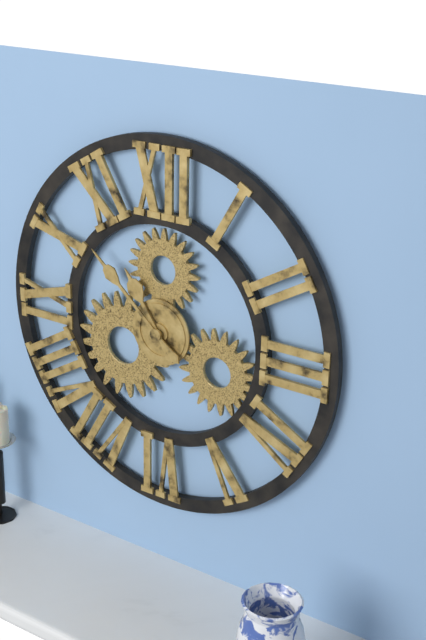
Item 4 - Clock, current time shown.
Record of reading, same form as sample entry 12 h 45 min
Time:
10 h 52 min
